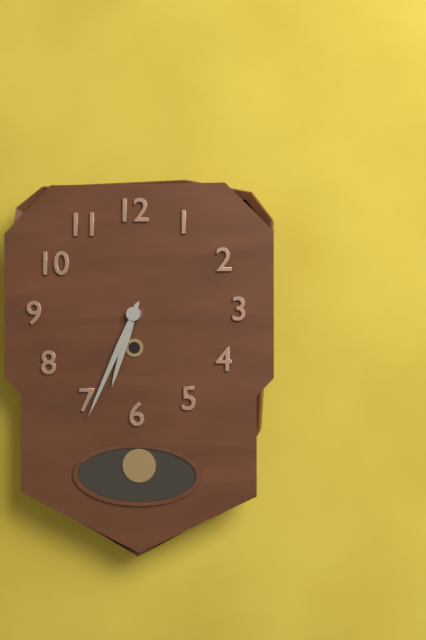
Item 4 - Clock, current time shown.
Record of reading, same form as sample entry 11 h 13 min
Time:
6 h 34 min
